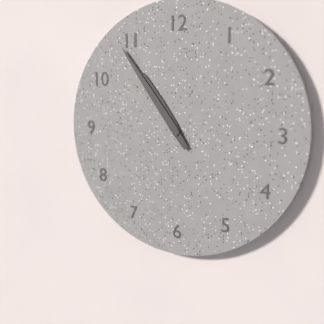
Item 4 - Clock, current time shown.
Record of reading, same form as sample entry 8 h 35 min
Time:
10 h 54 min
